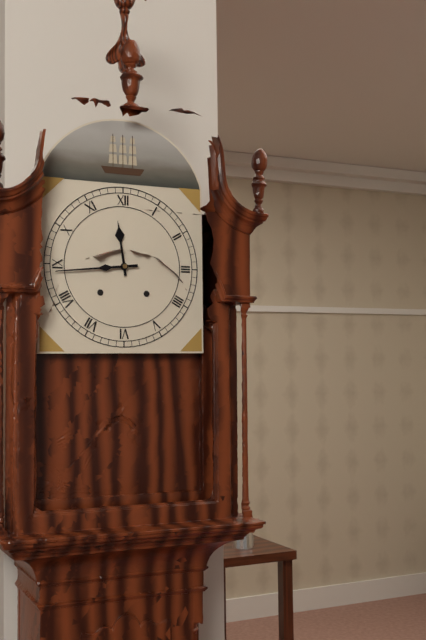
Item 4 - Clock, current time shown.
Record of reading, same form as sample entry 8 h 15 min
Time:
11 h 44 min
